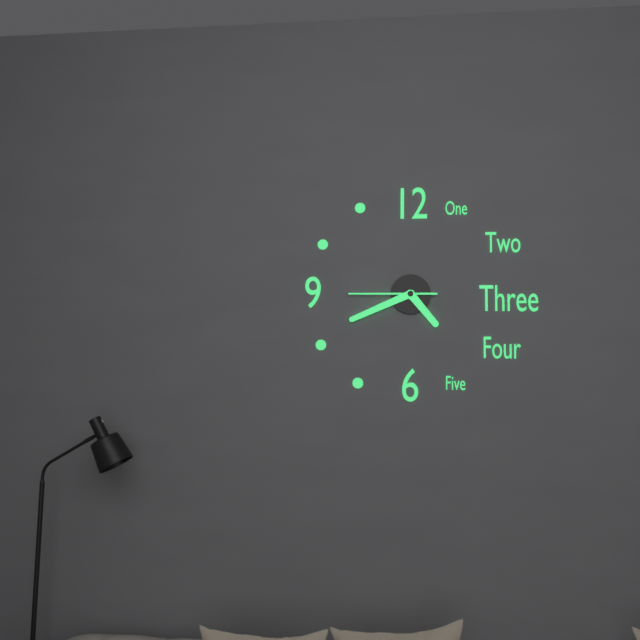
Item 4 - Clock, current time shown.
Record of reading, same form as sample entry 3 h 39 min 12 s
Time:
4 h 41 min 45 s
